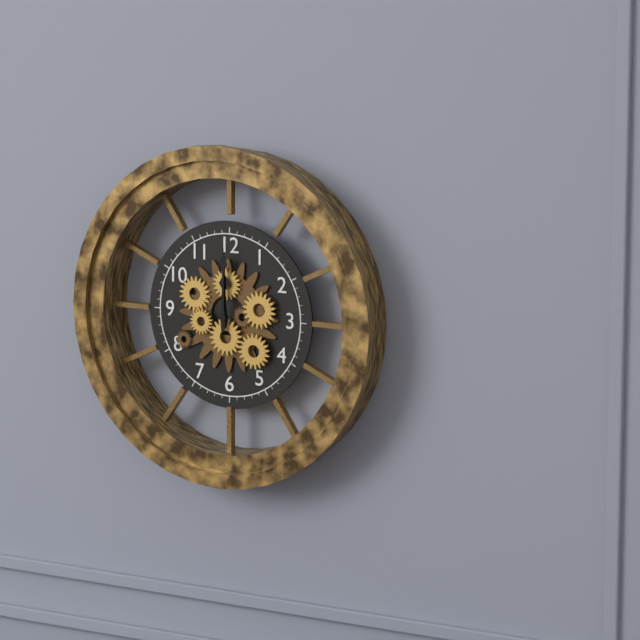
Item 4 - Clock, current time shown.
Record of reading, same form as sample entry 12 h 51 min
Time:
12 h 00 min
